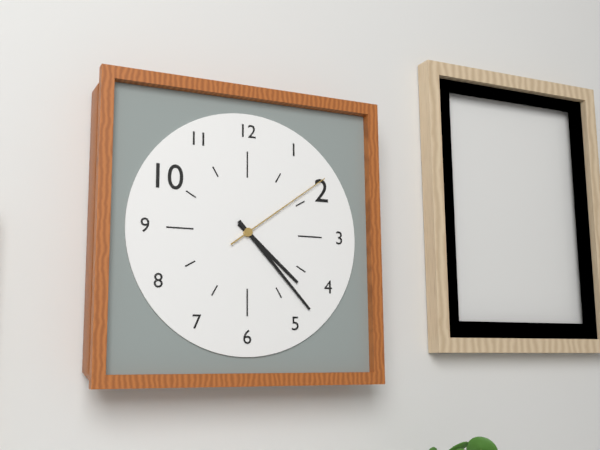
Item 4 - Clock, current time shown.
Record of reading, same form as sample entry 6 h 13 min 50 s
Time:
4 h 23 min 09 s
